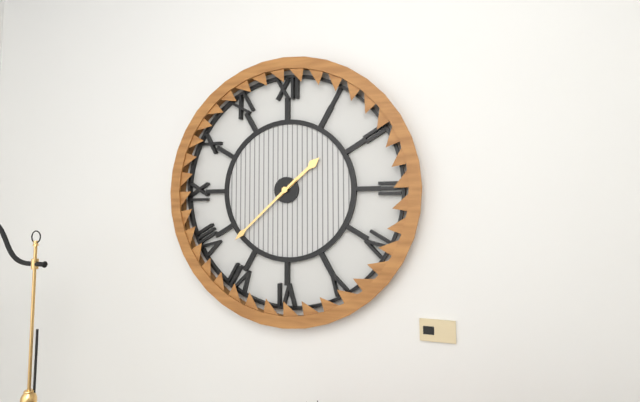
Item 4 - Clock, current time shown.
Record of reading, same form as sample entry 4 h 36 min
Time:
1 h 38 min
